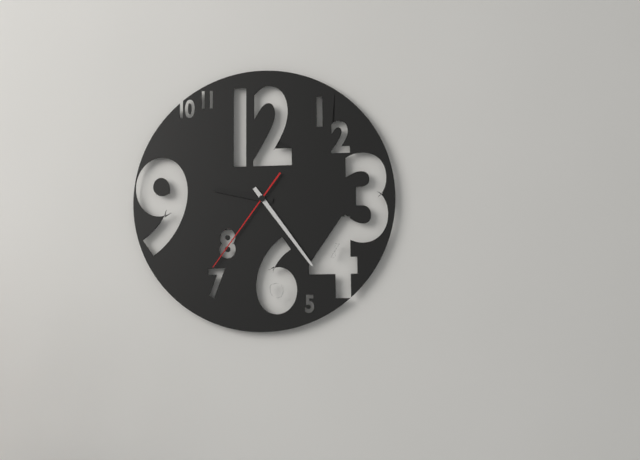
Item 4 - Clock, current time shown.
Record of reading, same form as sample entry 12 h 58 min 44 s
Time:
9 h 24 min 36 s
